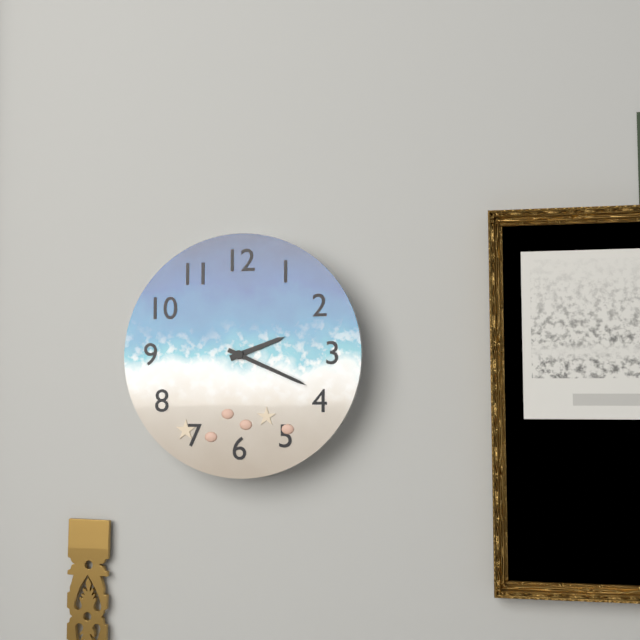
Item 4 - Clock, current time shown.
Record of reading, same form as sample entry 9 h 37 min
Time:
2 h 19 min
